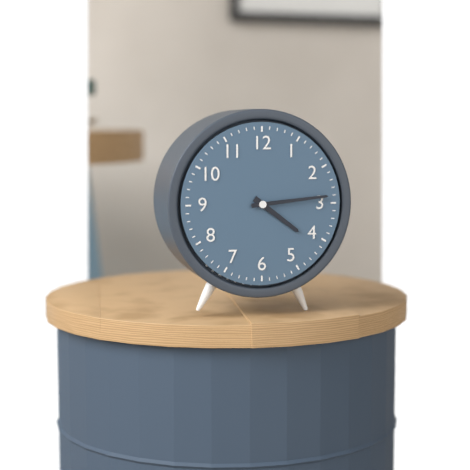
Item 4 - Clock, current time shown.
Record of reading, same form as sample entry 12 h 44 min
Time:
4 h 14 min
